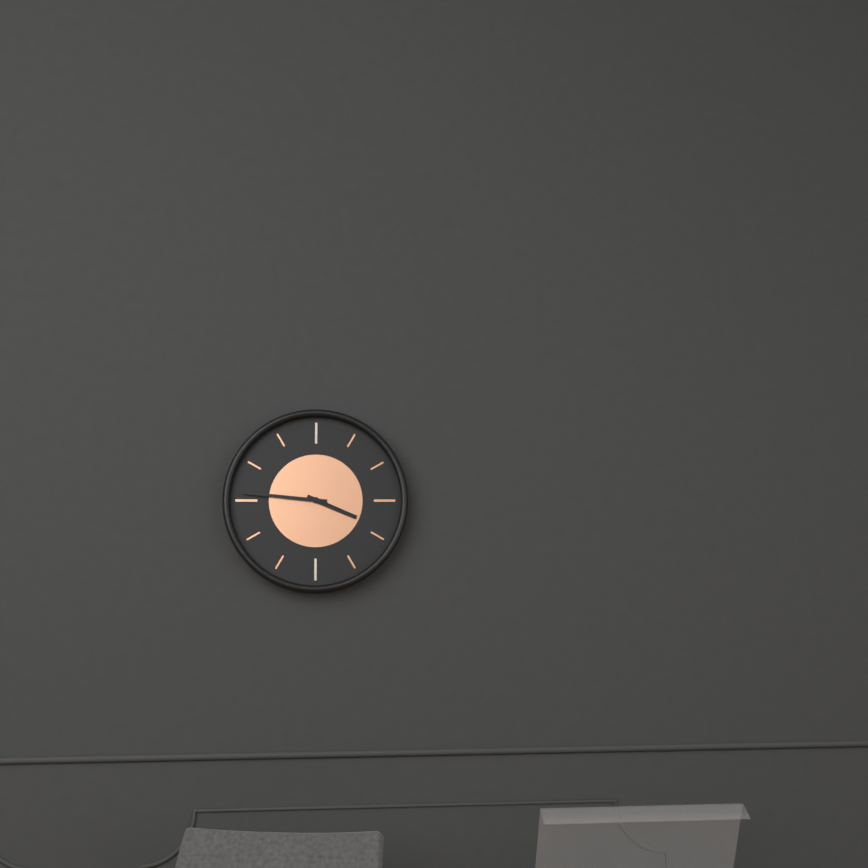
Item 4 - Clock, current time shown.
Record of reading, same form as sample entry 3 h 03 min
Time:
3 h 46 min
